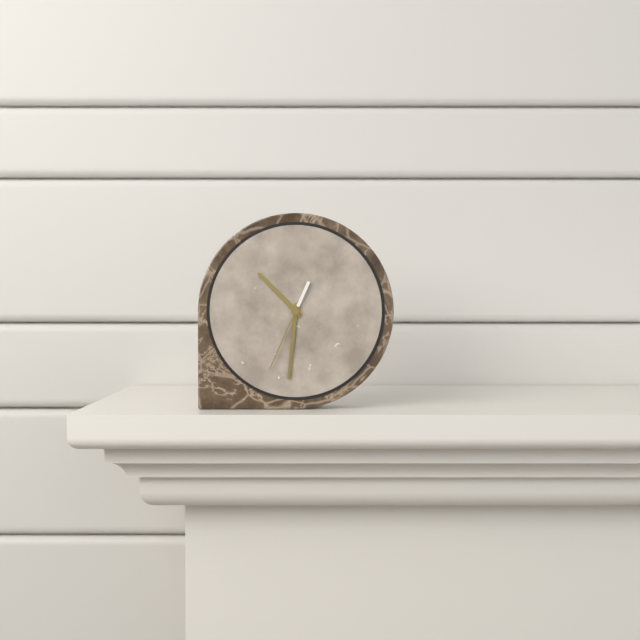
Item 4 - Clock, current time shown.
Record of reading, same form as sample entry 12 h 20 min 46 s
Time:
10 h 31 min 34 s
